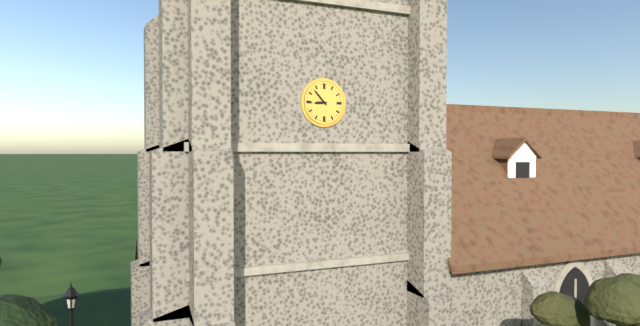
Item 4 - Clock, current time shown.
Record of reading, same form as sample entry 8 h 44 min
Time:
8 h 53 min
